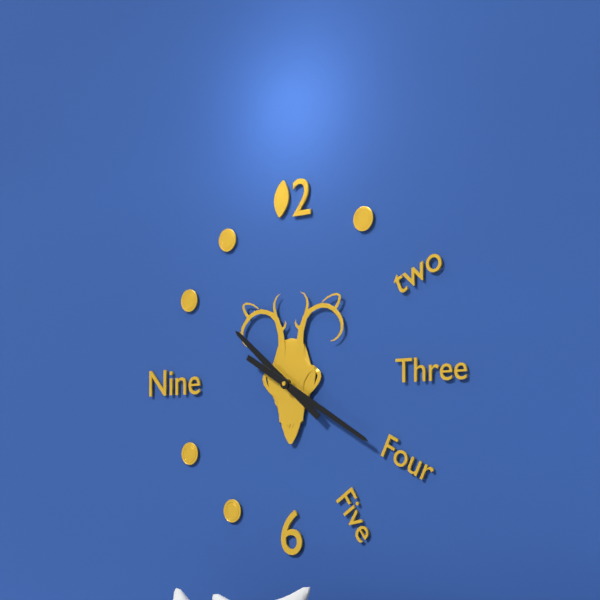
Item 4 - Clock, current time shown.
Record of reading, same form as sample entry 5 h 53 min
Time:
10 h 20 min
